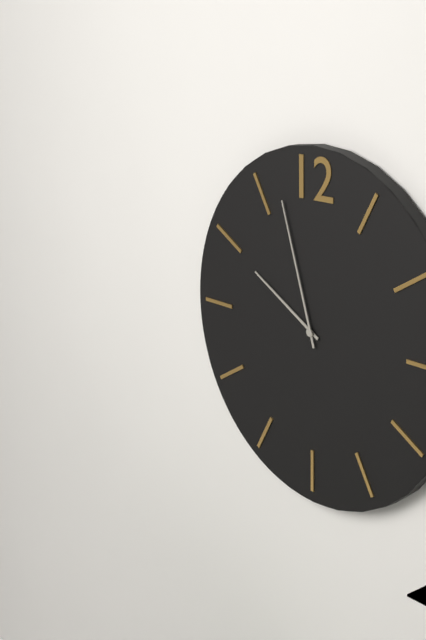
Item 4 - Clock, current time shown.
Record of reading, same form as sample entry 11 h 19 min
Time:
9 h 57 min
